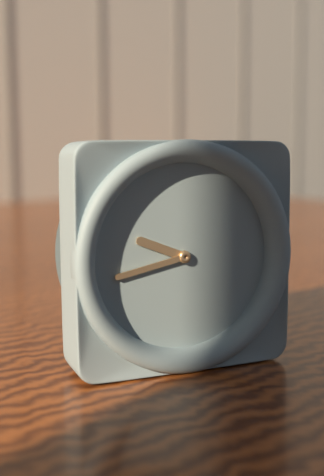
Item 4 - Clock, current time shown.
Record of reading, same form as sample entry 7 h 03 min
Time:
9 h 43 min
